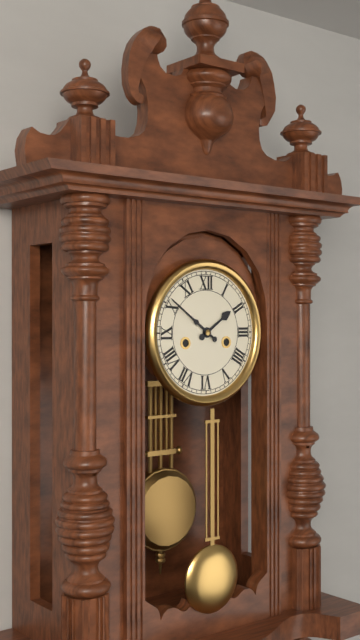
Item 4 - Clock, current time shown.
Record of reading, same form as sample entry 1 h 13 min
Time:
1 h 51 min
